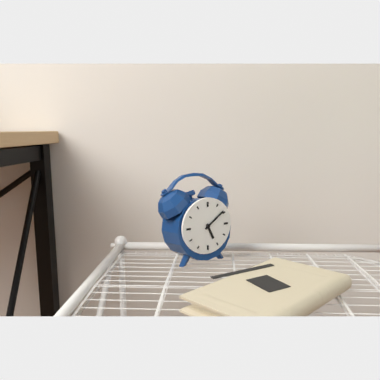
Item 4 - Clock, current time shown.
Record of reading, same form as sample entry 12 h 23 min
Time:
5 h 09 min
